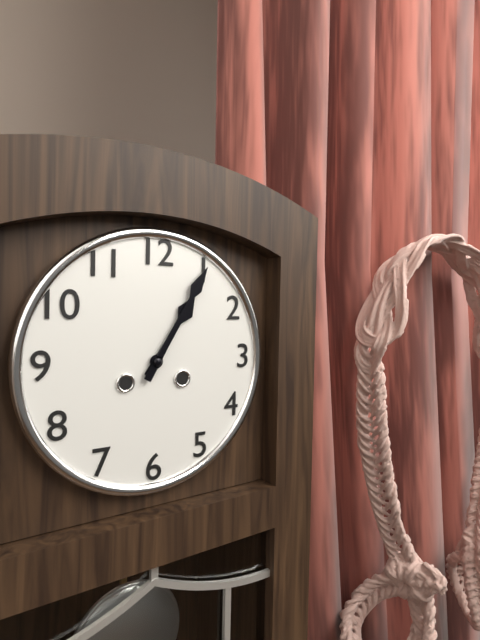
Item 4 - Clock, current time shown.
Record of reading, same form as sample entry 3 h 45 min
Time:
1 h 05 min
